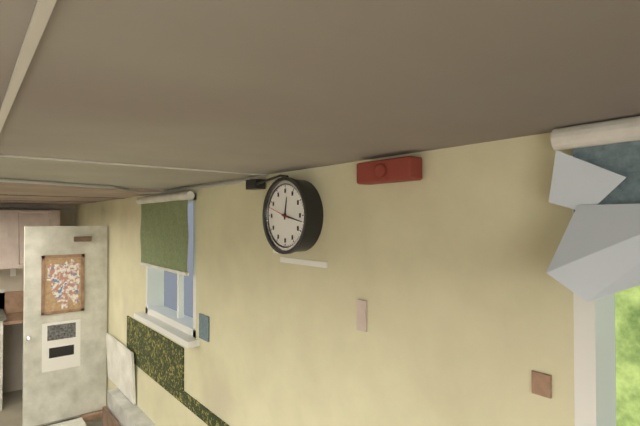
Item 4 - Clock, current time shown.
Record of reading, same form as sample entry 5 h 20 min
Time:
12 h 17 min
